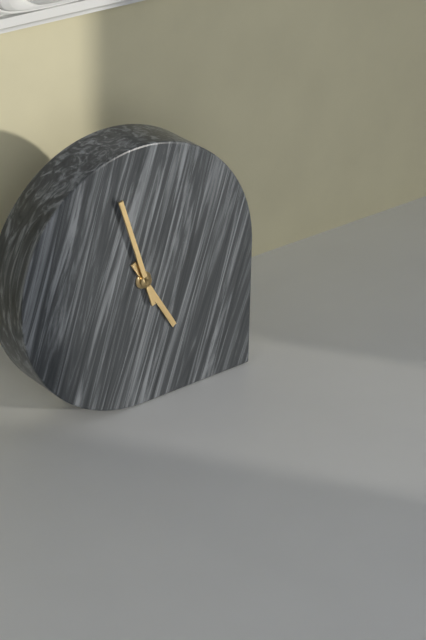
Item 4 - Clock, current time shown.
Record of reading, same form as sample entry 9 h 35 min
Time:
4 h 57 min
